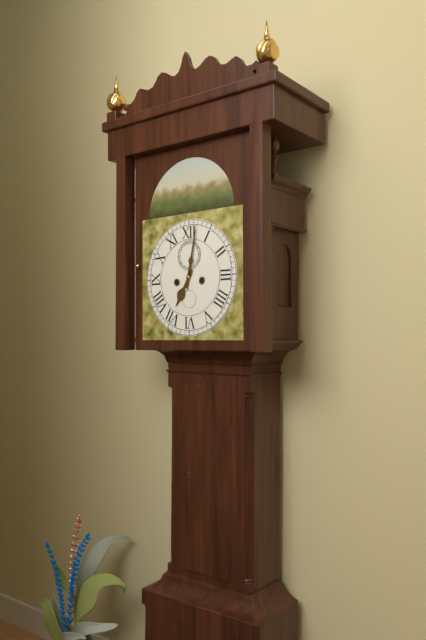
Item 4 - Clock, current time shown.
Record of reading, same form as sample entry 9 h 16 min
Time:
7 h 02 min
